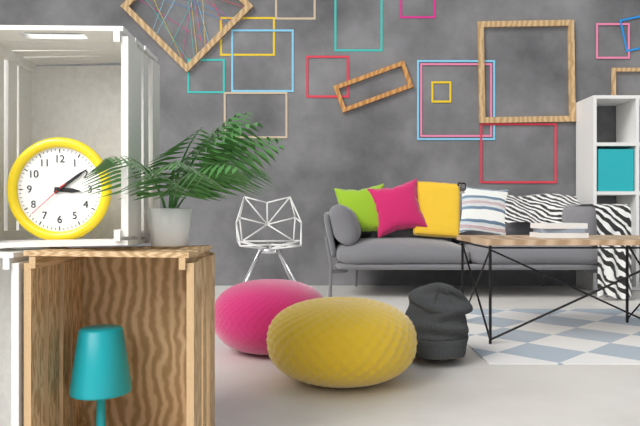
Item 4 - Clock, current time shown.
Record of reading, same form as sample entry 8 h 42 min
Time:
3 h 09 min
